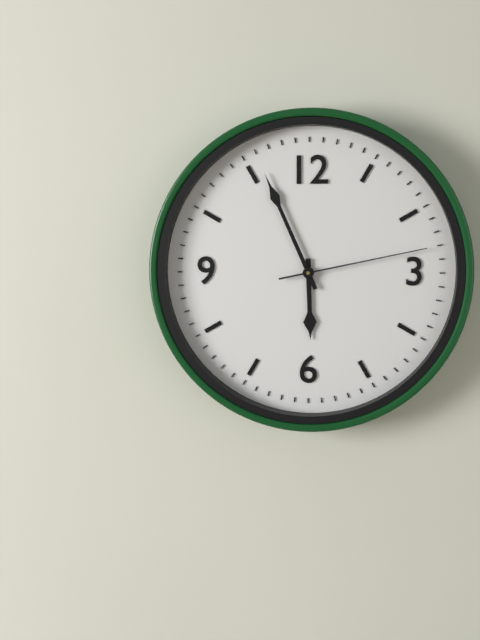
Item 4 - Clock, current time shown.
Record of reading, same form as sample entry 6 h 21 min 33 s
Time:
5 h 56 min 13 s
